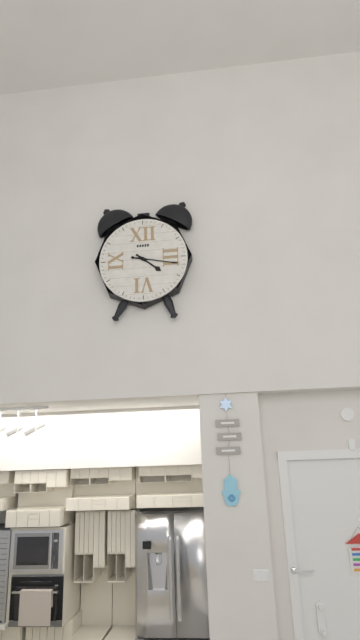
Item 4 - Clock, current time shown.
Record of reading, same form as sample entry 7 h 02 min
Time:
4 h 17 min
